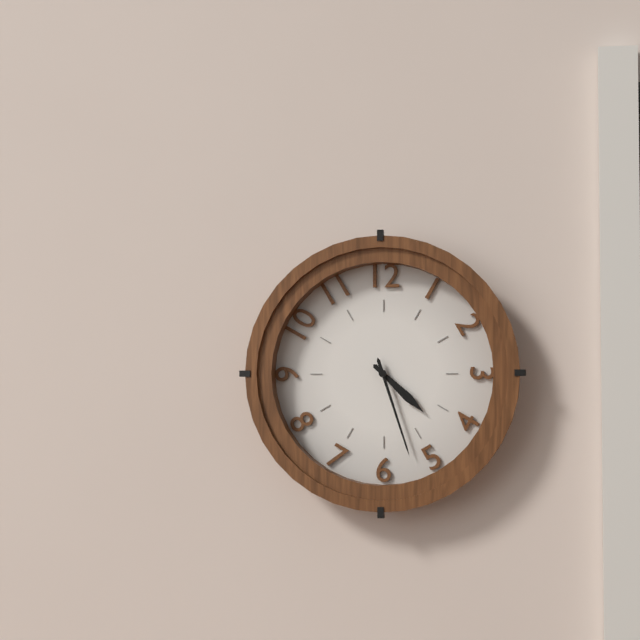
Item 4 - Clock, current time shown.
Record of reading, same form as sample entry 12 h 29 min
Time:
4 h 27 min
